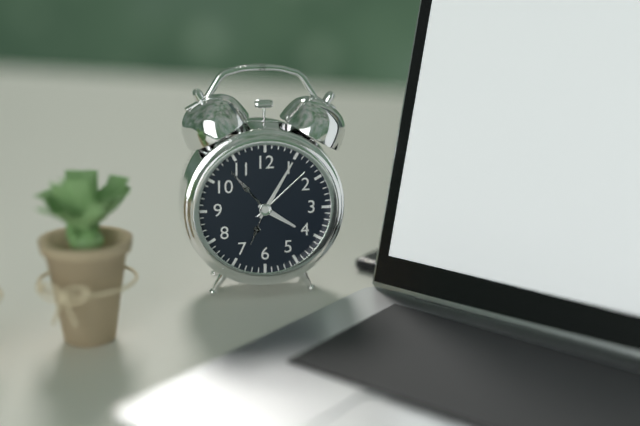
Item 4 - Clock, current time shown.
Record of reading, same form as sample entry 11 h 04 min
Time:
4 h 05 min
